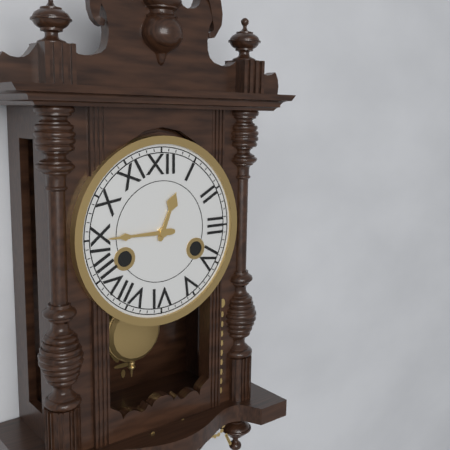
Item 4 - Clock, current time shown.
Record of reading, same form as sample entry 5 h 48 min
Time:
12 h 45 min
